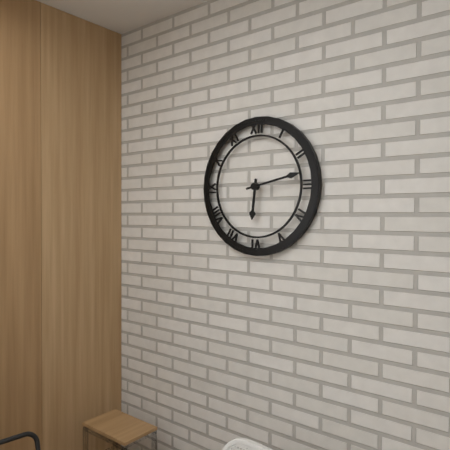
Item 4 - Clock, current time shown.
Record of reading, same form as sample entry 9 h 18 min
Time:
6 h 13 min
